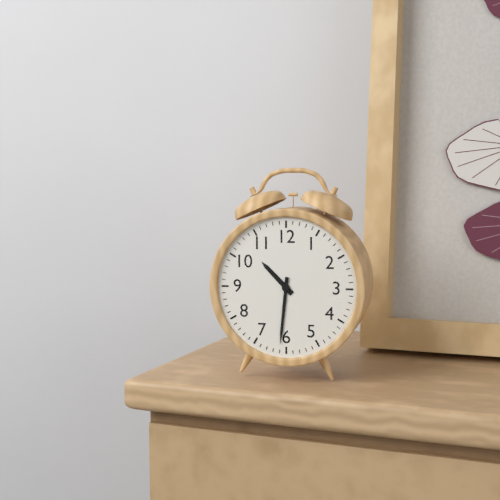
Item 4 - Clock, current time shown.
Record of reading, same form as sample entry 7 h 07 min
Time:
10 h 31 min
